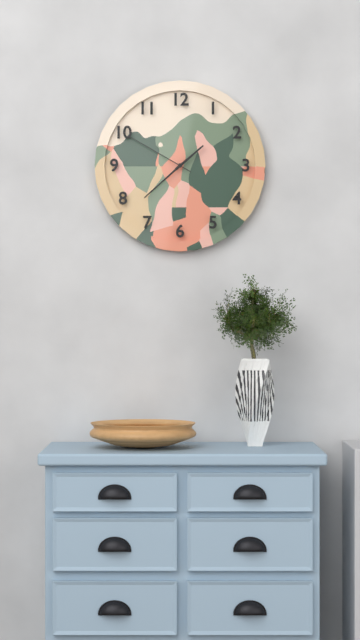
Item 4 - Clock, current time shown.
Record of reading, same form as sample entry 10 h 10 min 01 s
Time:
1 h 38 min 50 s
